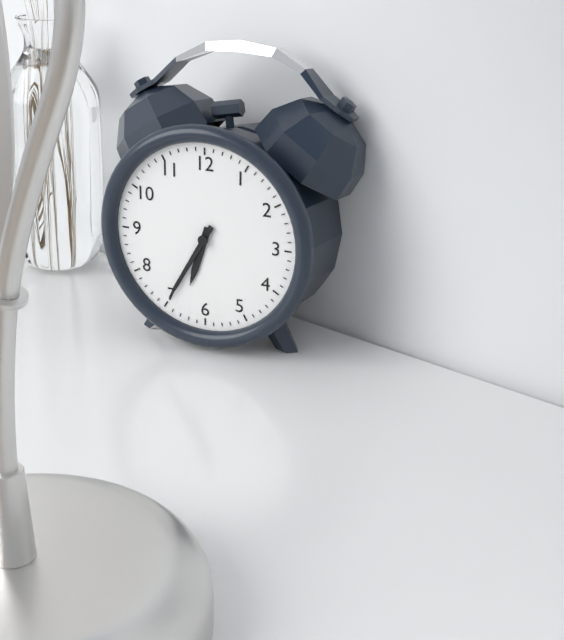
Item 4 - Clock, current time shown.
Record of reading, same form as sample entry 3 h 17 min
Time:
6 h 35 min
